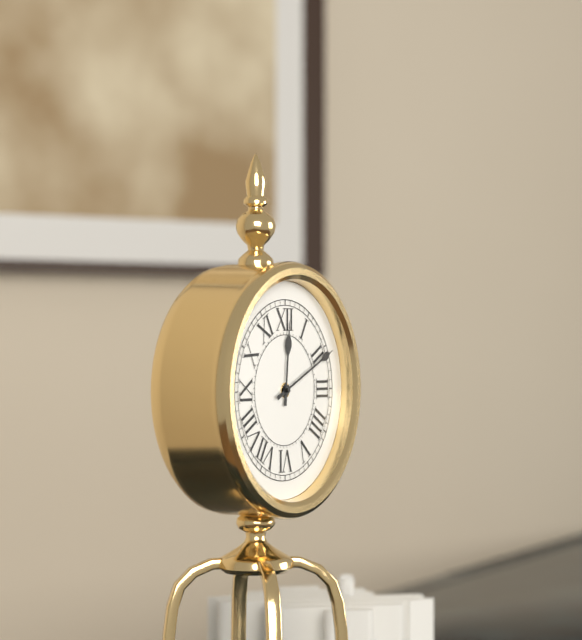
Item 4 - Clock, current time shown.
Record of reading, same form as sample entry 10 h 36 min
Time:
12 h 11 min
